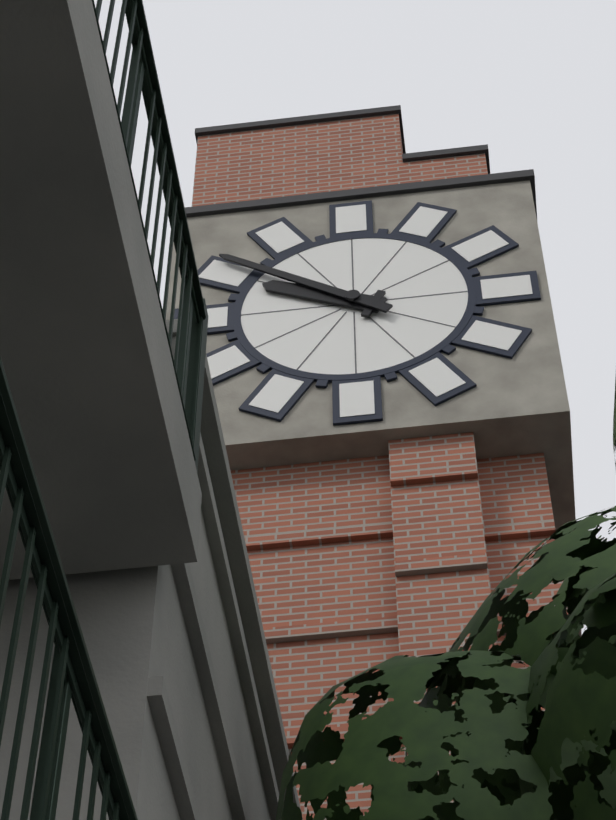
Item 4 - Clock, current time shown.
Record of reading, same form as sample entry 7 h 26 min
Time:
9 h 51 min
